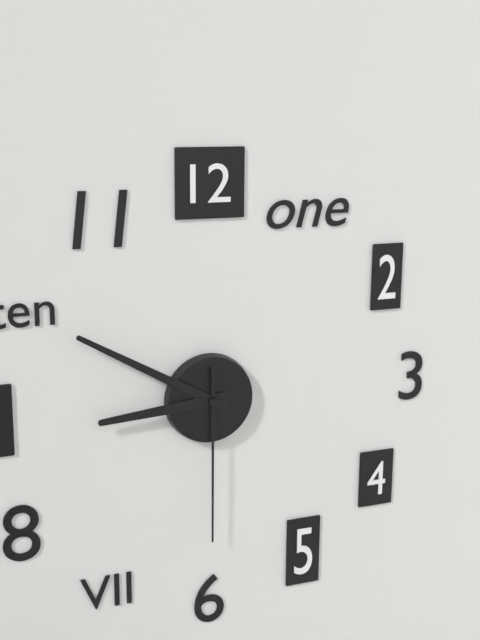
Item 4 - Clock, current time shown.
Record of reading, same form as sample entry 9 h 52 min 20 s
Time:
8 h 50 min 30 s
